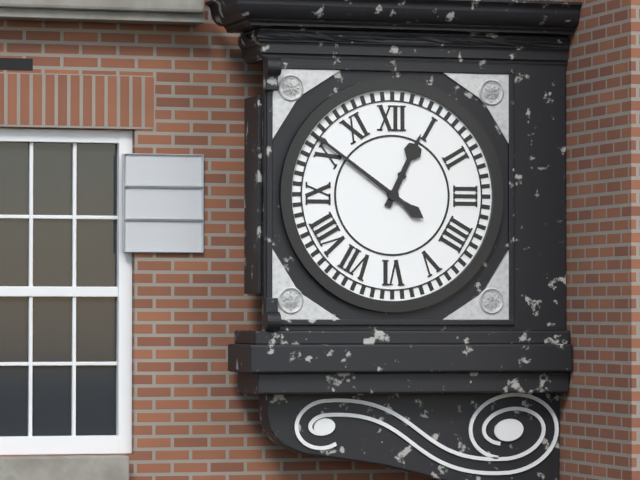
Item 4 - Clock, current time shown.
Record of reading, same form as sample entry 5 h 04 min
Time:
12 h 51 min
